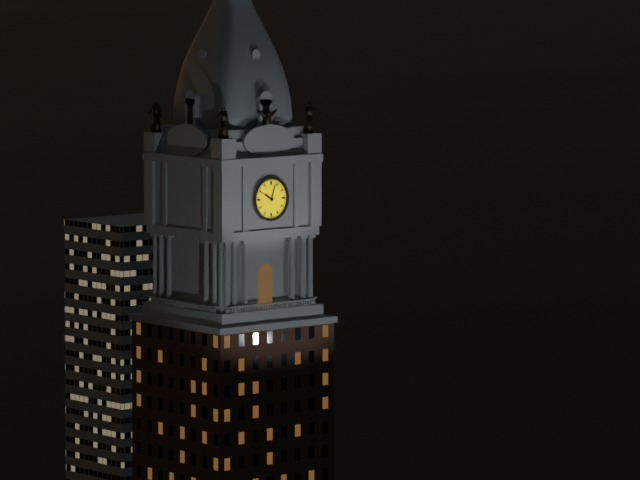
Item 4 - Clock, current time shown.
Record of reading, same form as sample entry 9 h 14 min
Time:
10 h 03 min
